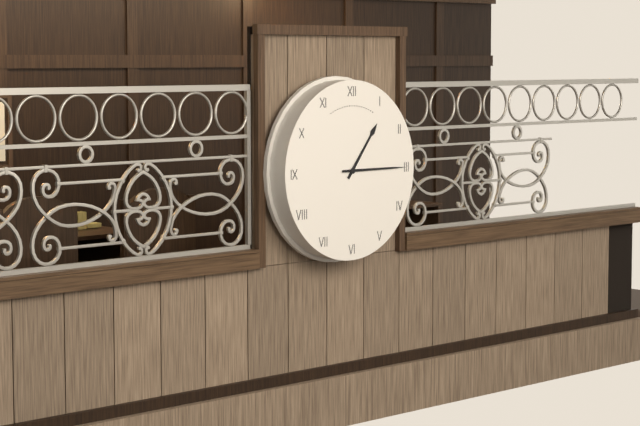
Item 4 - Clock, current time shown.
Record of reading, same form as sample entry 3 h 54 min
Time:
1 h 15 min
